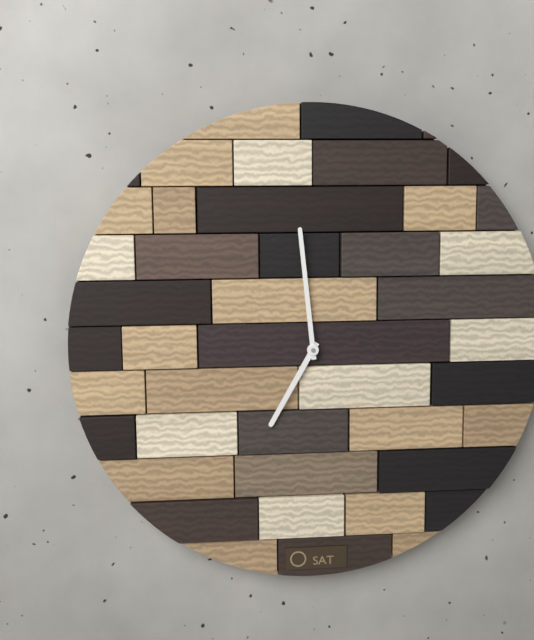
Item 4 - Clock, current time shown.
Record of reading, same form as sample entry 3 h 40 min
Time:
6 h 59 min
